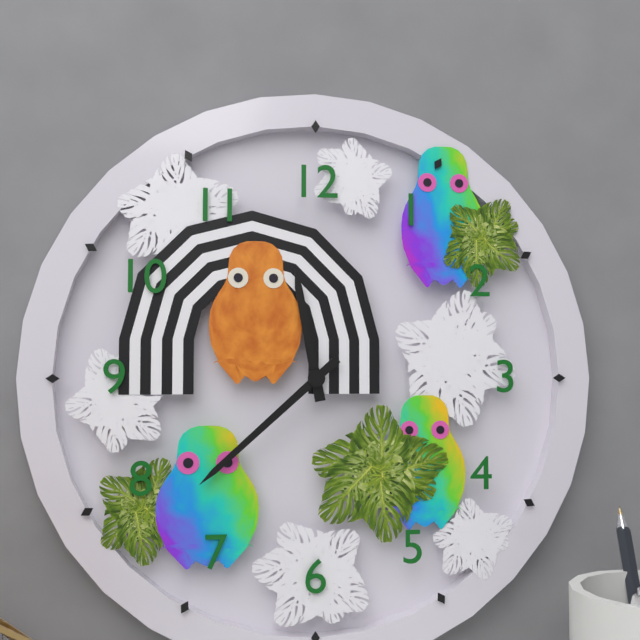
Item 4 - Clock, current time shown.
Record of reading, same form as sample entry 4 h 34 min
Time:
11 h 38 min
